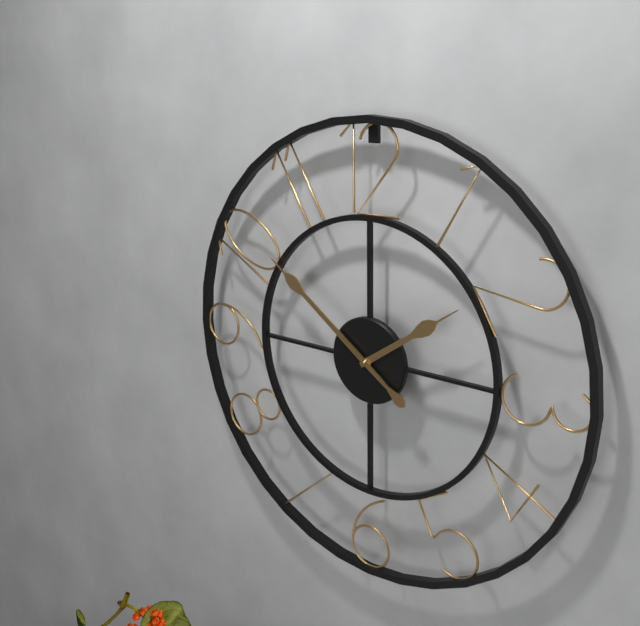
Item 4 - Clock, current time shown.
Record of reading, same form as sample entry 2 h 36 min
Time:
1 h 51 min
